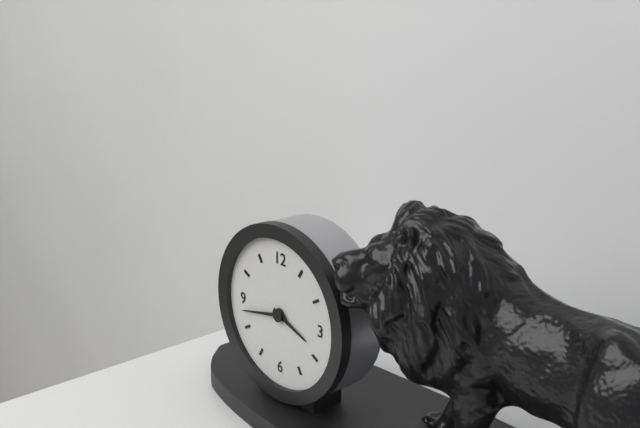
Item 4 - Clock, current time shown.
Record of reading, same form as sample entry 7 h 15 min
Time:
3 h 43 min
